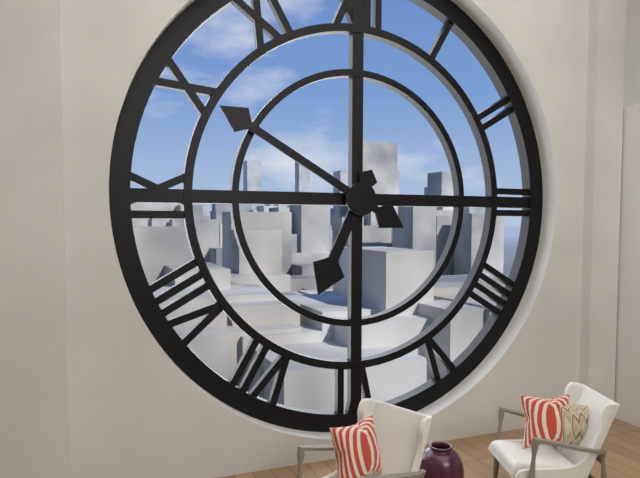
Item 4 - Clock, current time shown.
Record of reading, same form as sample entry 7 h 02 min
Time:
6 h 50 min
